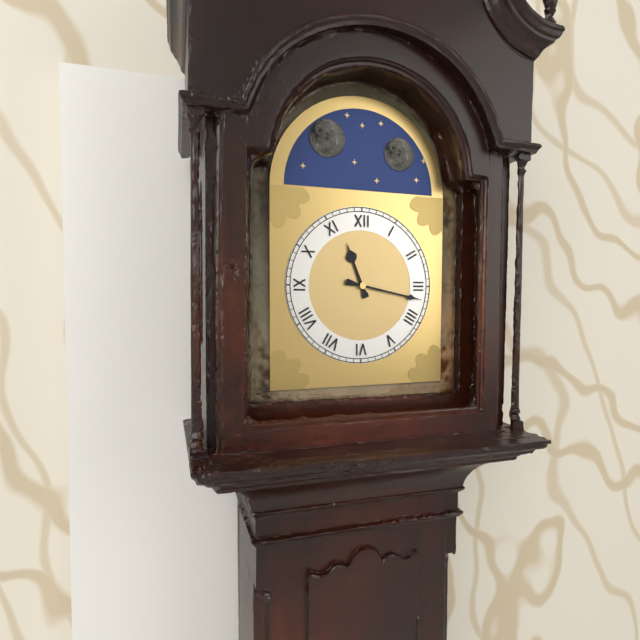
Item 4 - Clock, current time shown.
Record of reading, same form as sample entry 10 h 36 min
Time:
11 h 17 min
